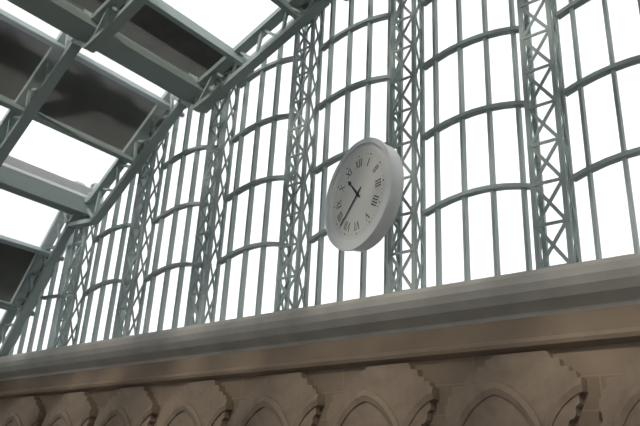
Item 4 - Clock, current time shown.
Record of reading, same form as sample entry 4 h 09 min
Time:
10 h 38 min
